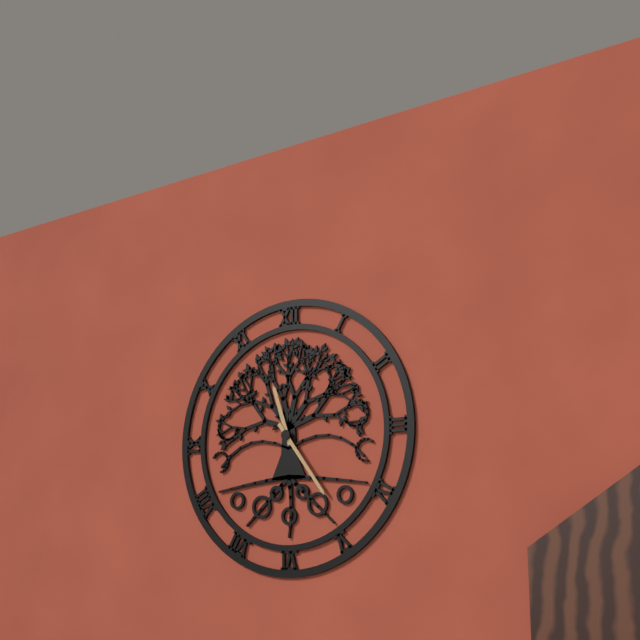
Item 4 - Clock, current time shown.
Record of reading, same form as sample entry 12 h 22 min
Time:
11 h 24 min
